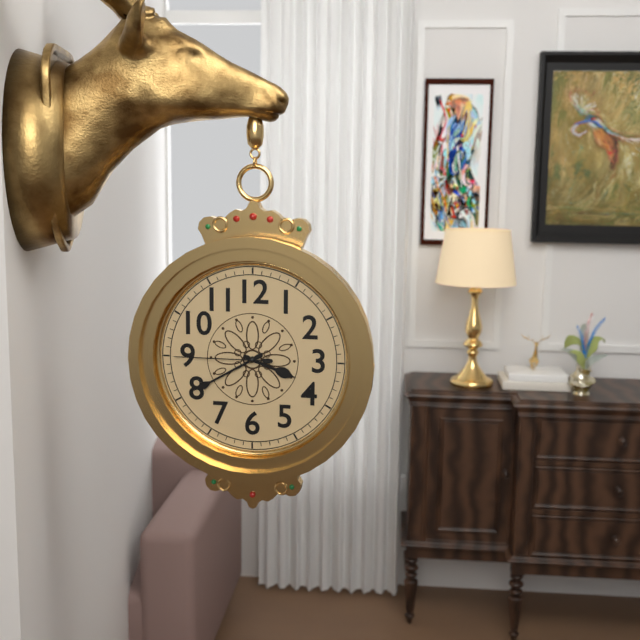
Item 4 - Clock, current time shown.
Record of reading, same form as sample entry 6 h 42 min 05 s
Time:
3 h 40 min 45 s
